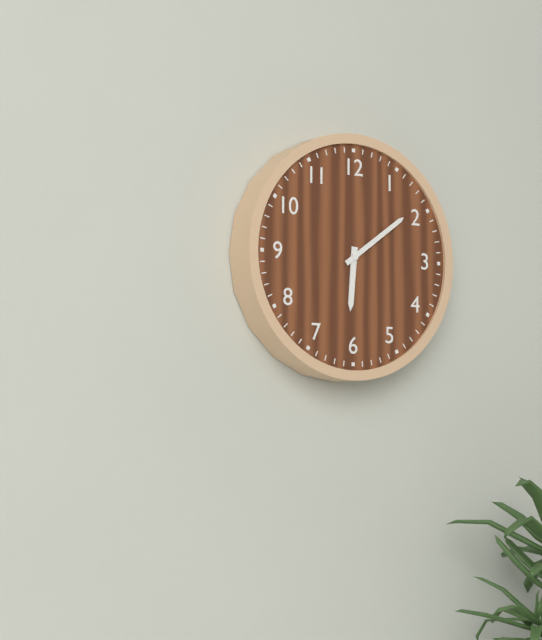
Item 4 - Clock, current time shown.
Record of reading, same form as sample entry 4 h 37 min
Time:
6 h 09 min
